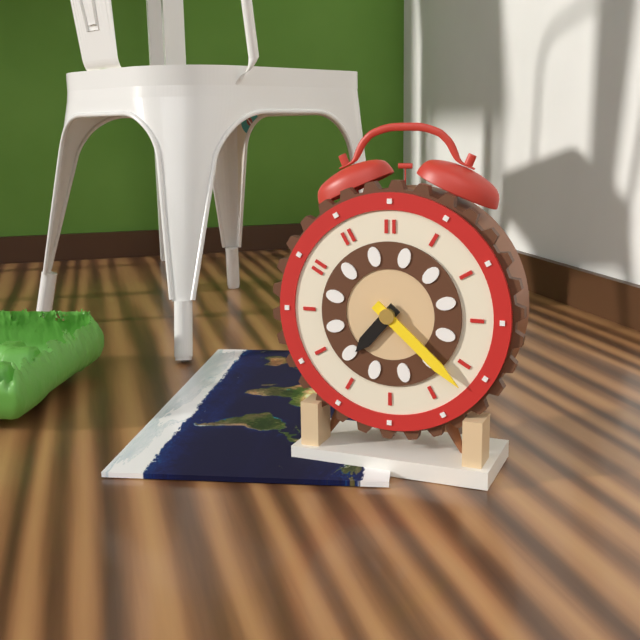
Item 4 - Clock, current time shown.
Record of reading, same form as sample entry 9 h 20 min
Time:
7 h 22 min
